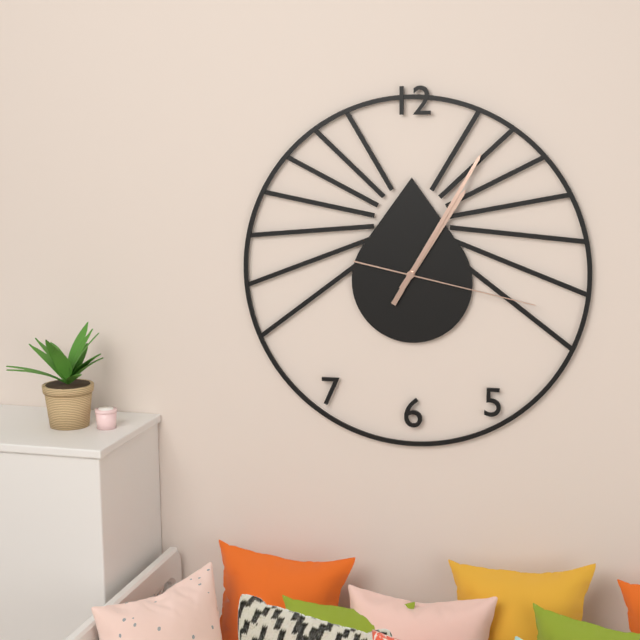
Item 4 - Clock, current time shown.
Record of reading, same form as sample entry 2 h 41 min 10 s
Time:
1 h 05 min 17 s
